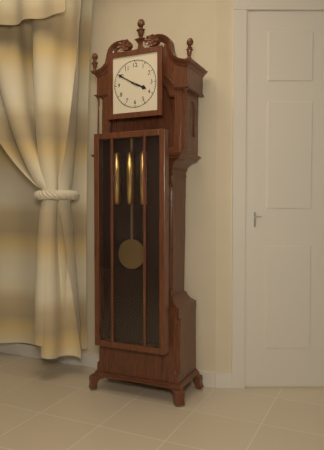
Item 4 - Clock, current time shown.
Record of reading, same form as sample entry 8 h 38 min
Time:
3 h 50 min
